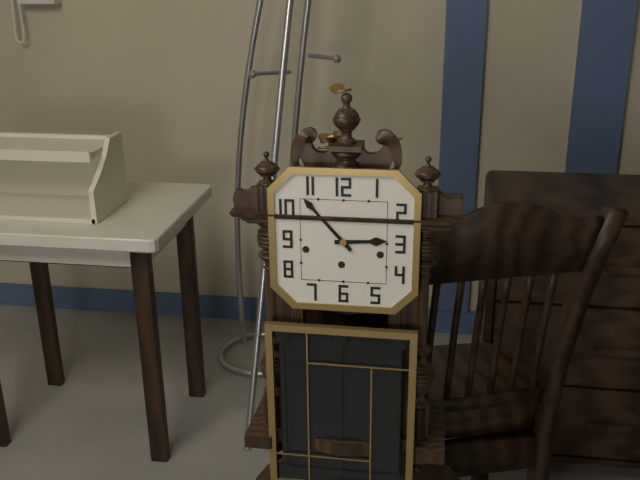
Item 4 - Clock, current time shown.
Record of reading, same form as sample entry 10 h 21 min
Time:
2 h 53 min
